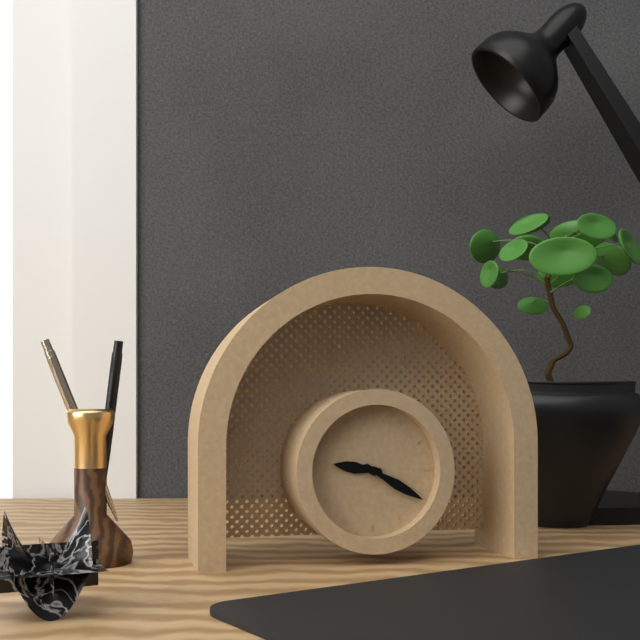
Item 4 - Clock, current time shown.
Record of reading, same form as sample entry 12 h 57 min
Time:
9 h 20 min
